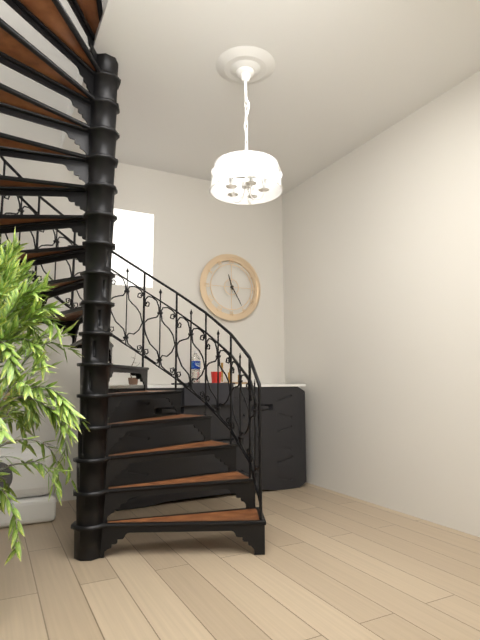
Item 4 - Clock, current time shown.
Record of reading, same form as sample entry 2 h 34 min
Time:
11 h 25 min
